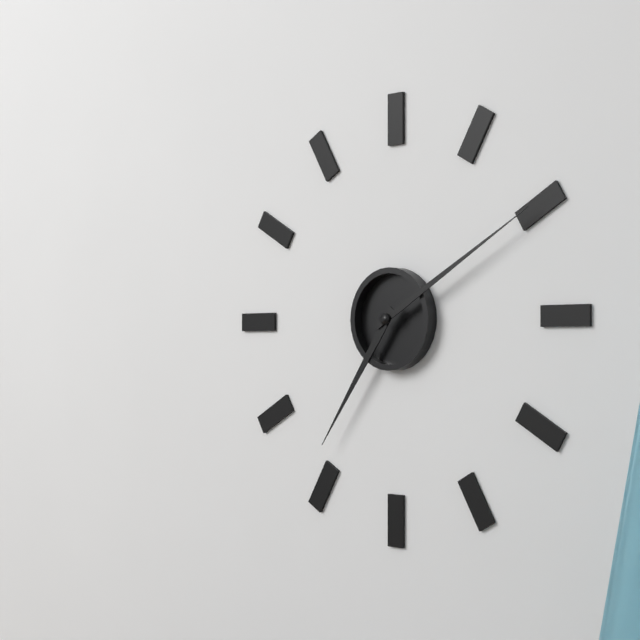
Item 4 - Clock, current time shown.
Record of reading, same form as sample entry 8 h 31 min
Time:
7 h 10 min
